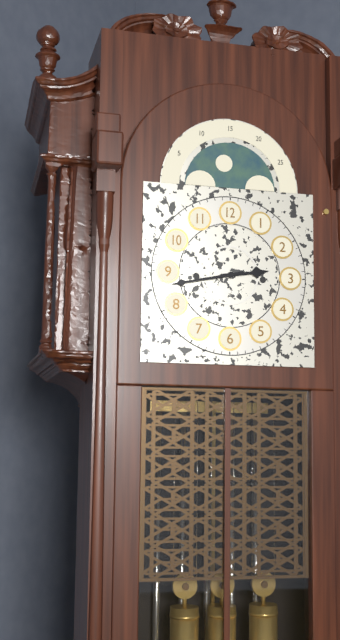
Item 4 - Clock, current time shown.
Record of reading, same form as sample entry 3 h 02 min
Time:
2 h 43 min
